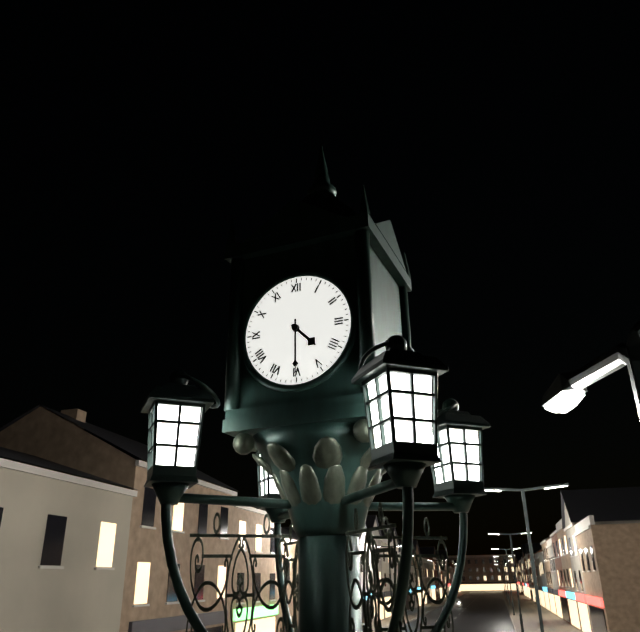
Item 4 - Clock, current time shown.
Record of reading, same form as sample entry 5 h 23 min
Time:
4 h 30 min
